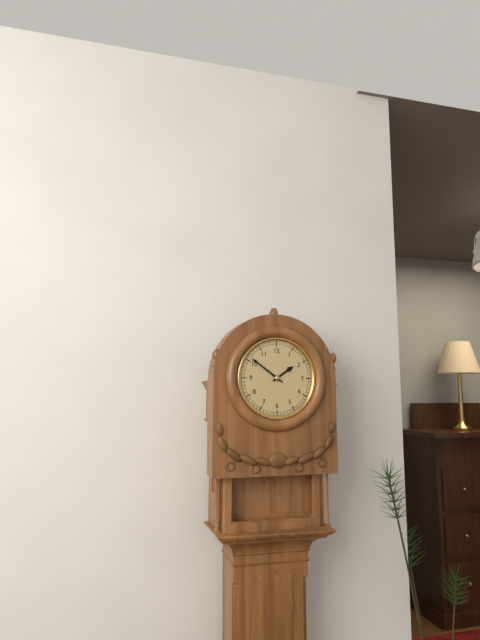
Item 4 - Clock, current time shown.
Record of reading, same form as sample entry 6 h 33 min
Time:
1 h 51 min
